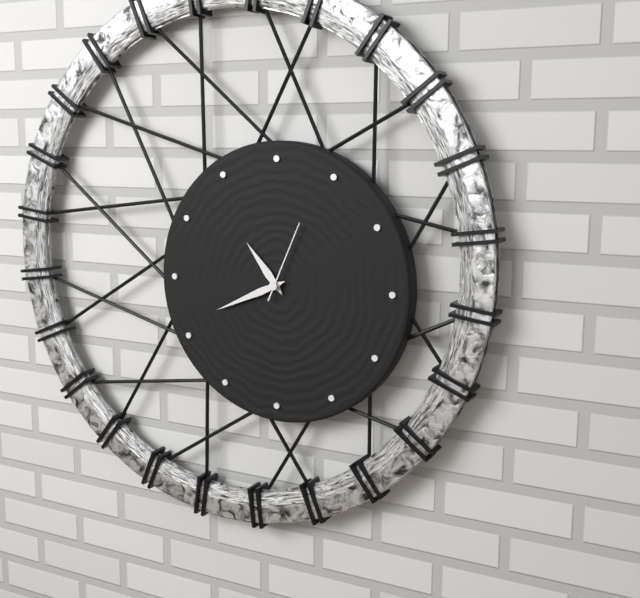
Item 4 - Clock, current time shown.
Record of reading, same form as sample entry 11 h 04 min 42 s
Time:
10 h 41 min 04 s
